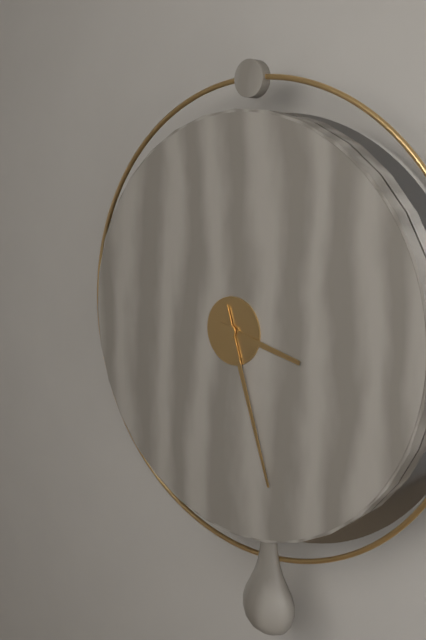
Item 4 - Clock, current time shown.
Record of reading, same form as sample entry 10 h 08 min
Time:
3 h 27 min
